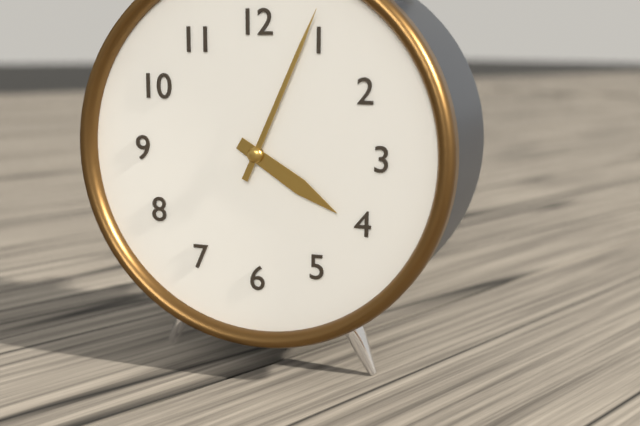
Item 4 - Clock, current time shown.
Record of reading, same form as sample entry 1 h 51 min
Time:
4 h 04 min
